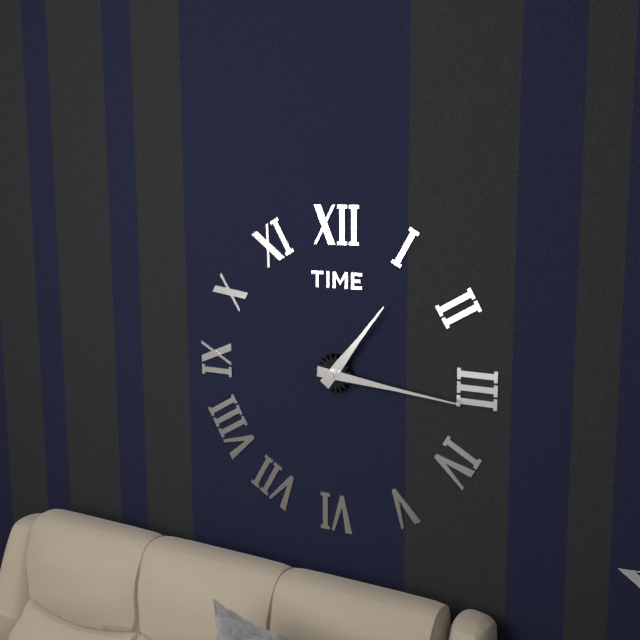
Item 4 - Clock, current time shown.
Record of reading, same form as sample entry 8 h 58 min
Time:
1 h 16 min
